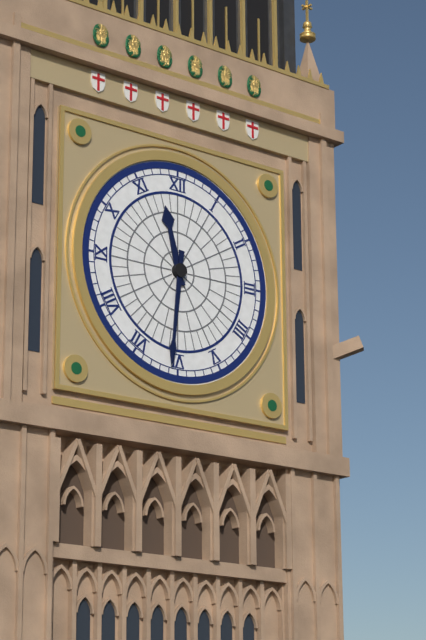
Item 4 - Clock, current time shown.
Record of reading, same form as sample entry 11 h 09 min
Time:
11 h 31 min
